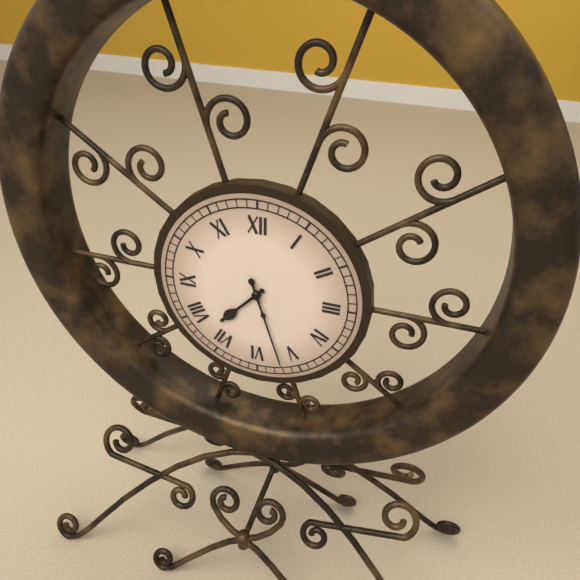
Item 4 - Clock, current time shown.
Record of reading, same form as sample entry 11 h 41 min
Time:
7 h 27 min
